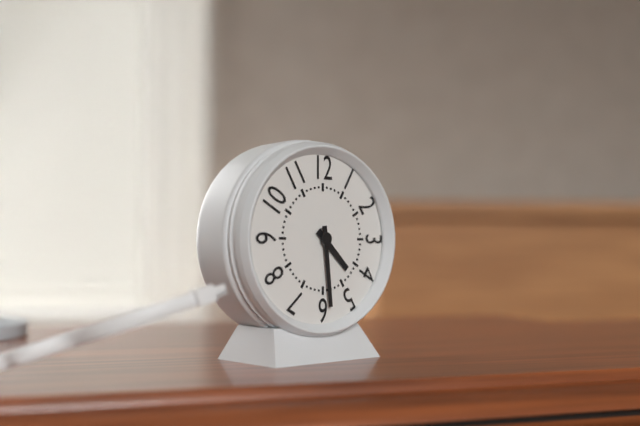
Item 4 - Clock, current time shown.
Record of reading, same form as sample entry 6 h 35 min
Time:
4 h 29 min
